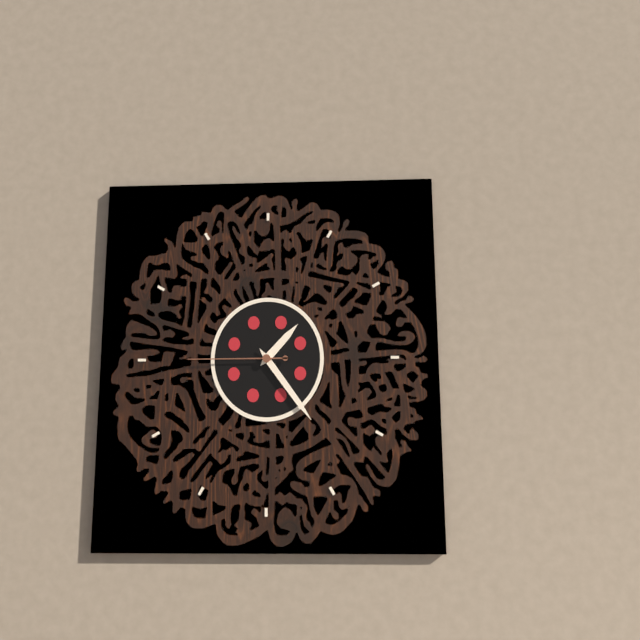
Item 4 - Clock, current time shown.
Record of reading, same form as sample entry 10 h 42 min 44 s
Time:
1 h 24 min 45 s
